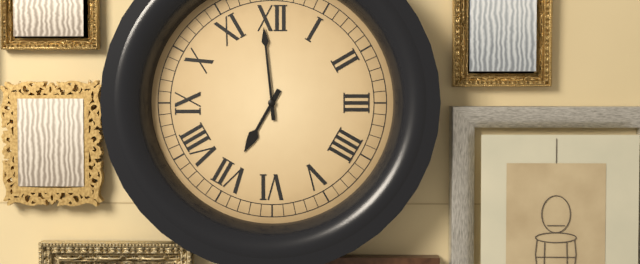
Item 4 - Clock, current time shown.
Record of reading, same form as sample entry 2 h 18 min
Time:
6 h 59 min
